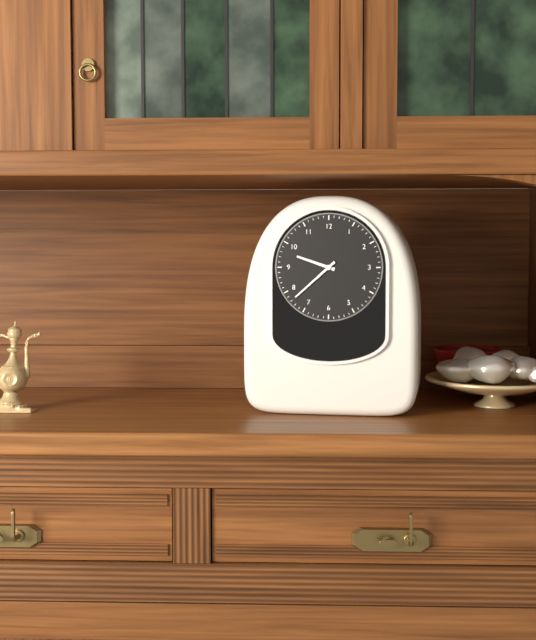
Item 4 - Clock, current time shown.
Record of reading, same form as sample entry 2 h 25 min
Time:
9 h 38 min
